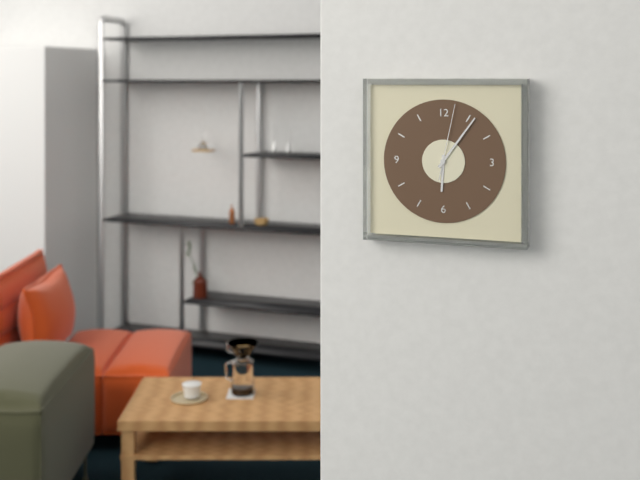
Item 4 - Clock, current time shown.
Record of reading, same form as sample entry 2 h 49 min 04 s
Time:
6 h 06 min 02 s
